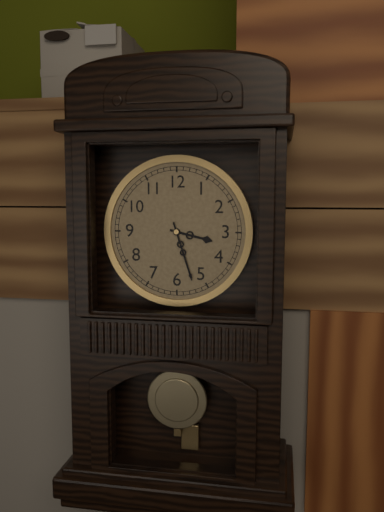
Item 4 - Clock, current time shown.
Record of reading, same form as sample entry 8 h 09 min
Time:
3 h 27 min
